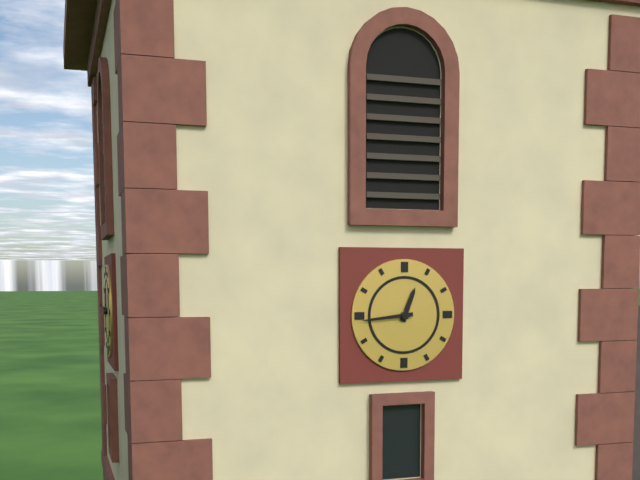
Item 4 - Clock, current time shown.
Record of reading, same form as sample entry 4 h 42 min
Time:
12 h 44 min
